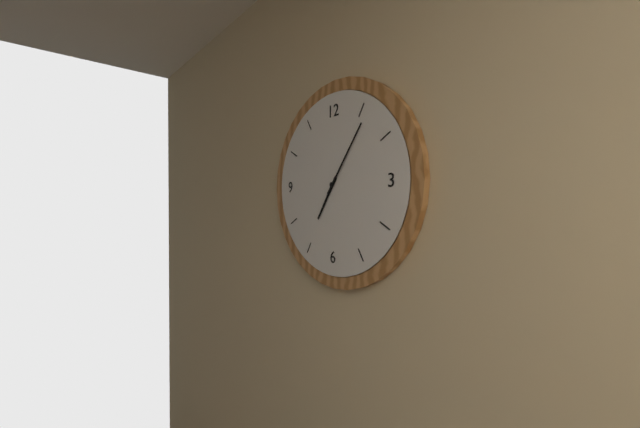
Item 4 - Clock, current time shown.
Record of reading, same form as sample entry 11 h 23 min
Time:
7 h 06 min
